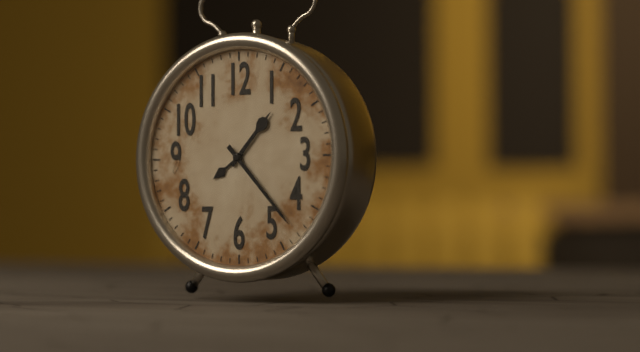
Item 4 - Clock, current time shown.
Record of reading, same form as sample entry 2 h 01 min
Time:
1 h 23 min
